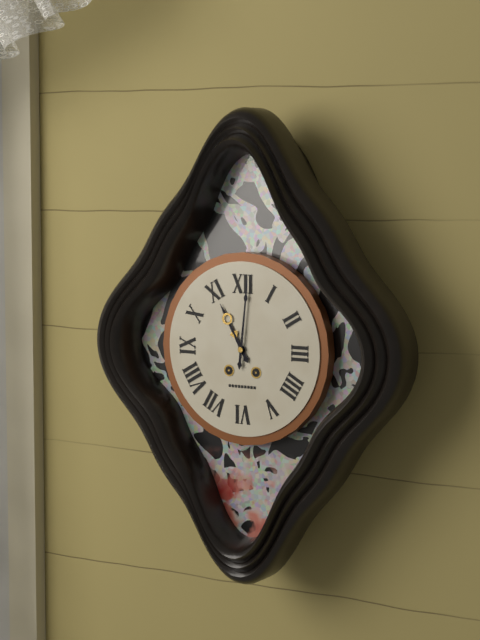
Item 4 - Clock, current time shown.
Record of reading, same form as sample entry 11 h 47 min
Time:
11 h 01 min
